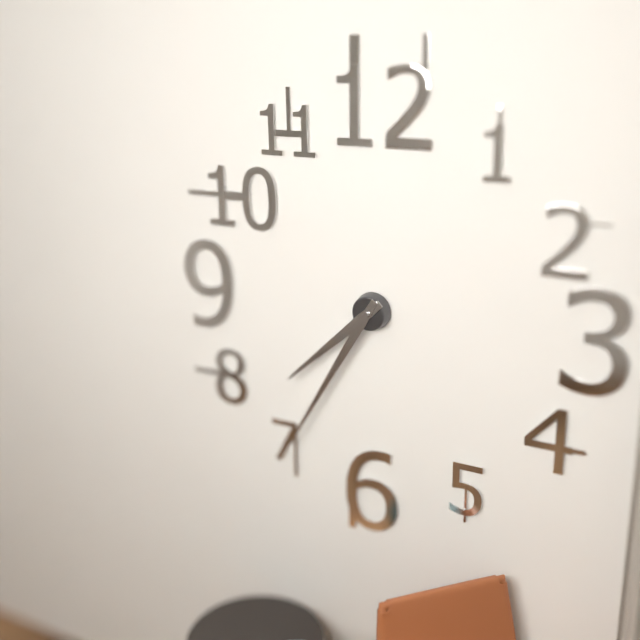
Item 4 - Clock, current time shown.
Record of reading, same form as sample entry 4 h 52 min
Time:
7 h 35 min
